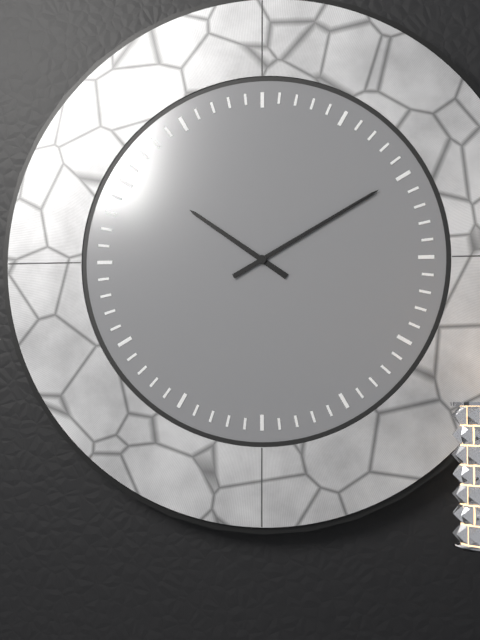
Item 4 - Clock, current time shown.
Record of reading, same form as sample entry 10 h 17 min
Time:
10 h 10 min
